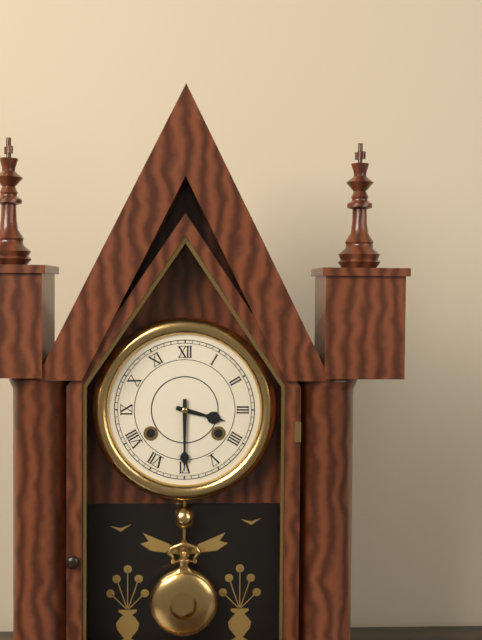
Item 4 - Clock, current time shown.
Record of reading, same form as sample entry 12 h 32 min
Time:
3 h 30 min
